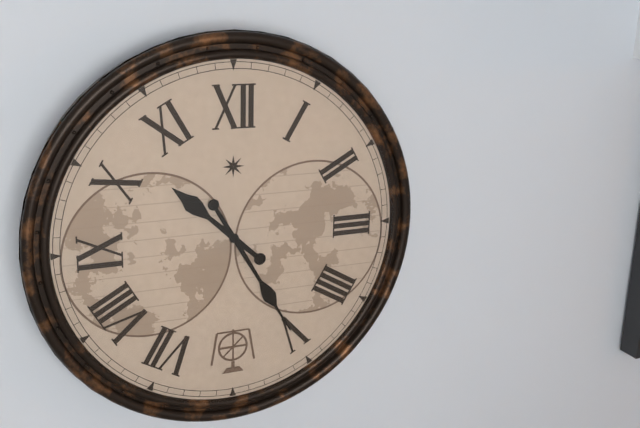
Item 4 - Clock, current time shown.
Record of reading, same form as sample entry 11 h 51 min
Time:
10 h 25 min
